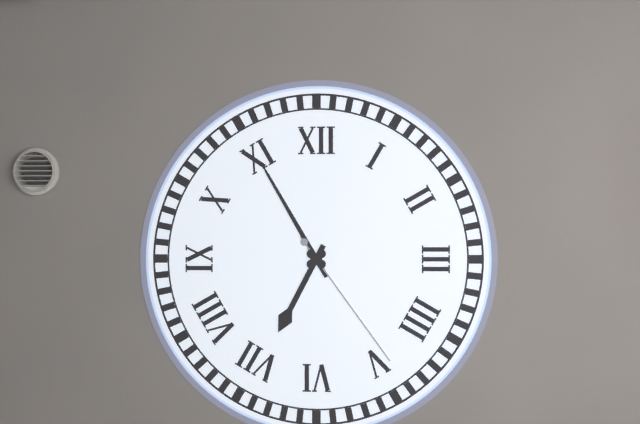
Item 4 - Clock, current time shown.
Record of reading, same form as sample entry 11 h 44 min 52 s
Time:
6 h 55 min 24 s
